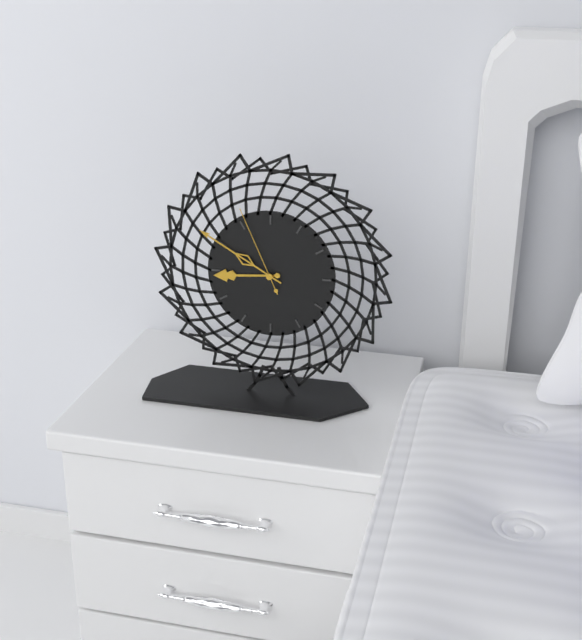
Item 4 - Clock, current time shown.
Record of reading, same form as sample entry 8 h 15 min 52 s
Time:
8 h 50 min 56 s
